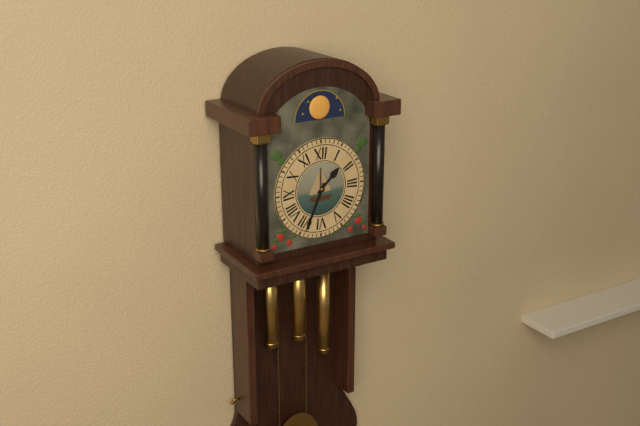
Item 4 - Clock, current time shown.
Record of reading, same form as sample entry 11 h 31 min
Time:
1 h 34 min
